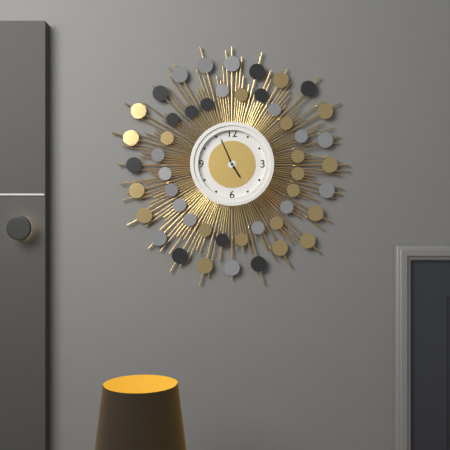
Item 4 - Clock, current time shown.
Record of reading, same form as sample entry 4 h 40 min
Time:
4 h 56 min
